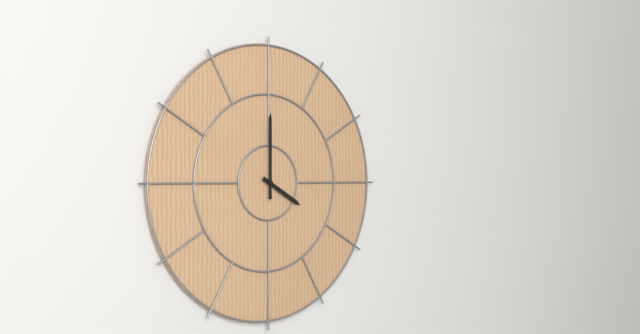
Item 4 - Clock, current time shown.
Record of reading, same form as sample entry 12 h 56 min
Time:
4 h 00 min
